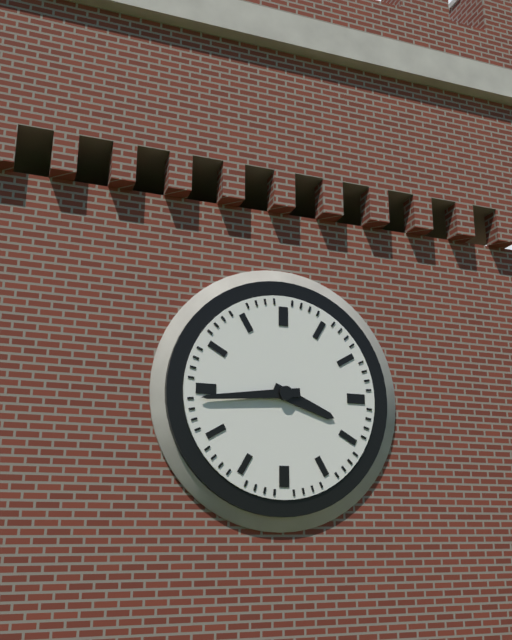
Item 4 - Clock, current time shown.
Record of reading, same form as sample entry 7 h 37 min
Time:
3 h 44 min
